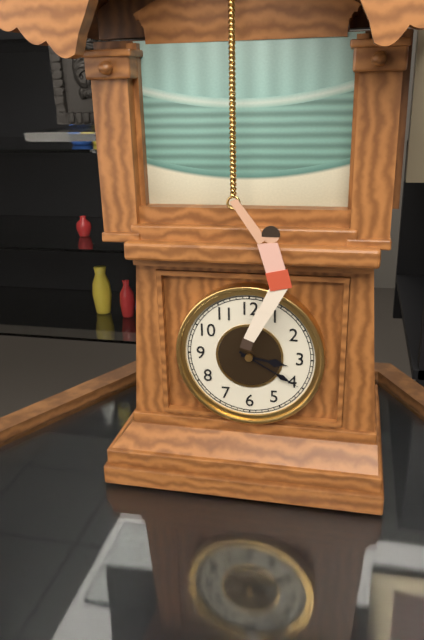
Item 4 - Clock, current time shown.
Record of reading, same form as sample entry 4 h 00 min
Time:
3 h 20 min
